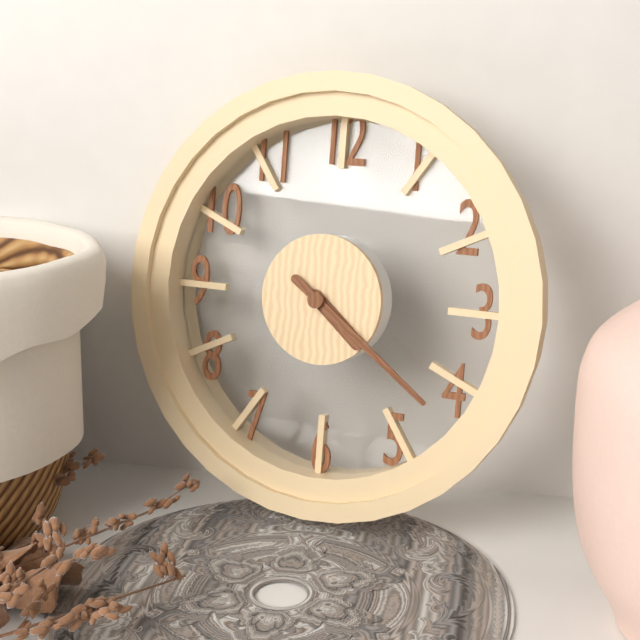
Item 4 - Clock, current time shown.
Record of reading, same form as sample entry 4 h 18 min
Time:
4 h 21 min
